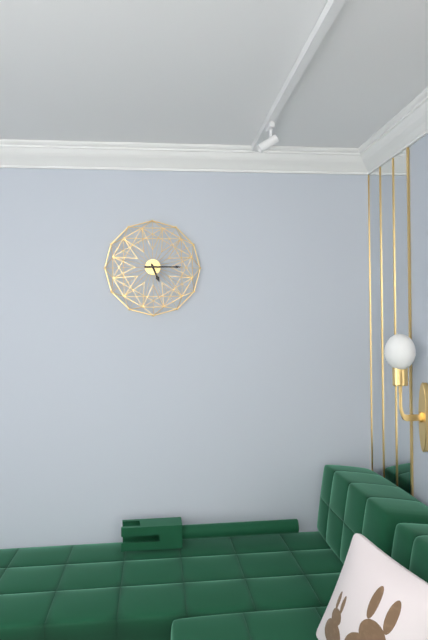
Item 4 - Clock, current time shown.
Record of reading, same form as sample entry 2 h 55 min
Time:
5 h 15 min
